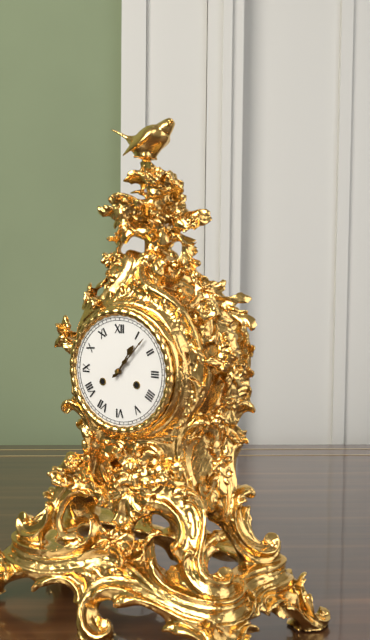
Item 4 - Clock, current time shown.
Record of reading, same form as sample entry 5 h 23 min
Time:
1 h 07 min
